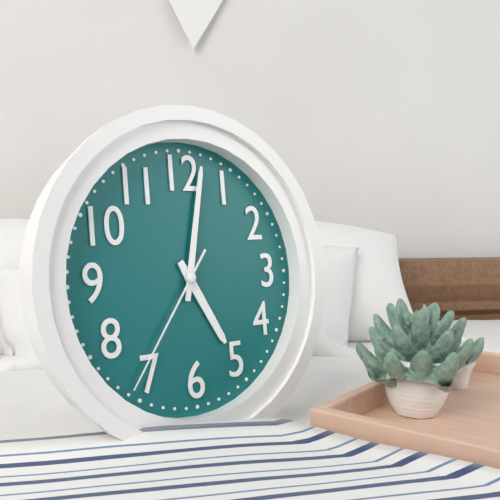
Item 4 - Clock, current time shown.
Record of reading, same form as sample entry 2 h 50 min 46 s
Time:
5 h 02 min 36 s
